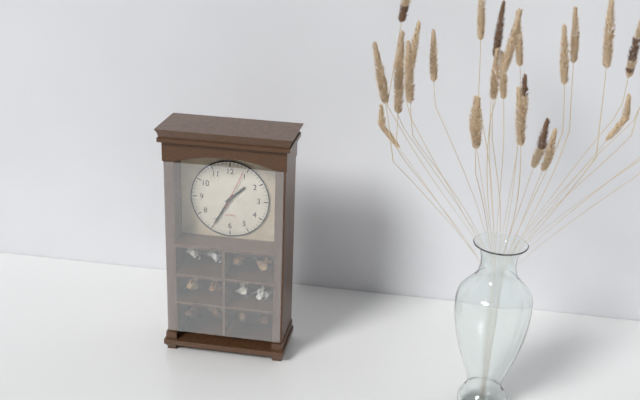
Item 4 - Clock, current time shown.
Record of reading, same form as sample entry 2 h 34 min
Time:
1 h 35 min
